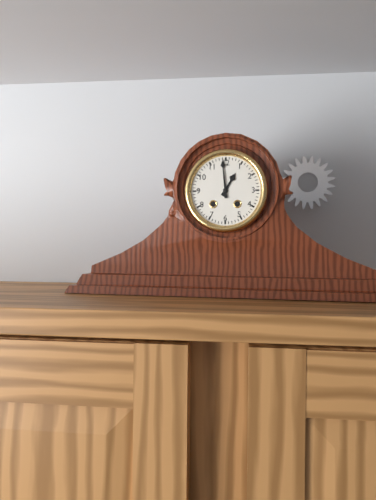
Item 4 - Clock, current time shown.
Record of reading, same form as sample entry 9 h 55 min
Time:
12 h 59 min
